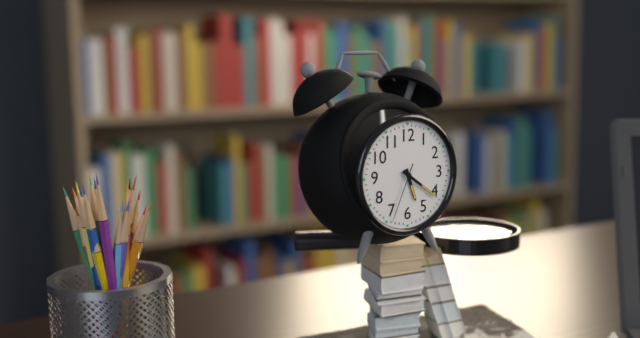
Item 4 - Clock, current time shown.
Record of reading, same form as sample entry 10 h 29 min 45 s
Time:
5 h 21 min 34 s
